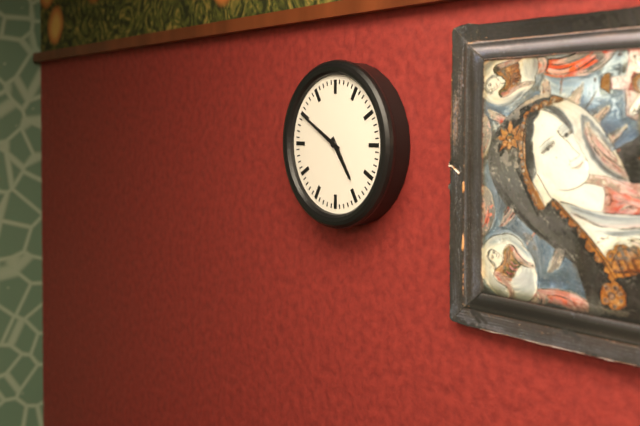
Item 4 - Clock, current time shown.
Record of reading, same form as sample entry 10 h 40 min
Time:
4 h 50 min
